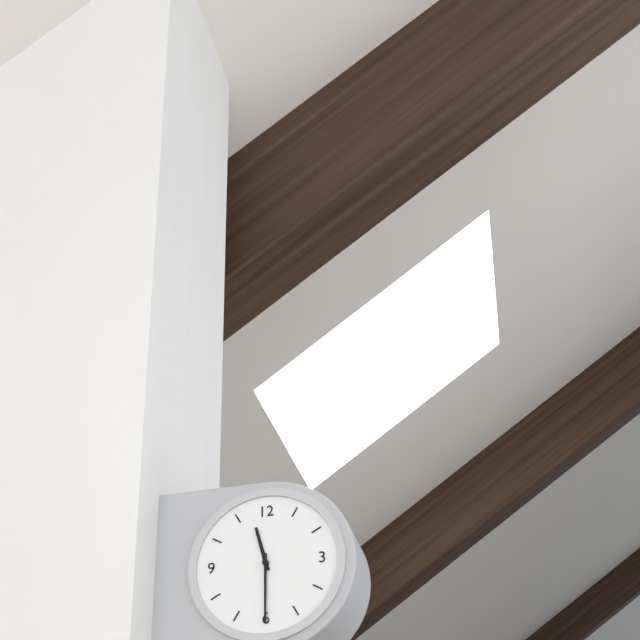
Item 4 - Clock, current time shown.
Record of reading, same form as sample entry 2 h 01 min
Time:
11 h 30 min
